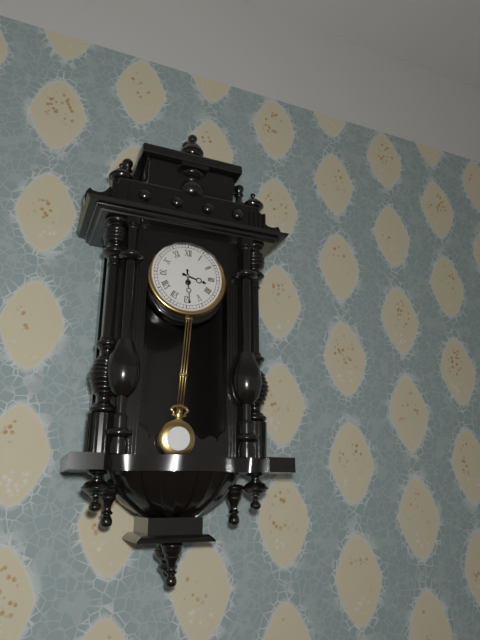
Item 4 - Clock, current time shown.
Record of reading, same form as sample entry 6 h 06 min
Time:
3 h 29 min
